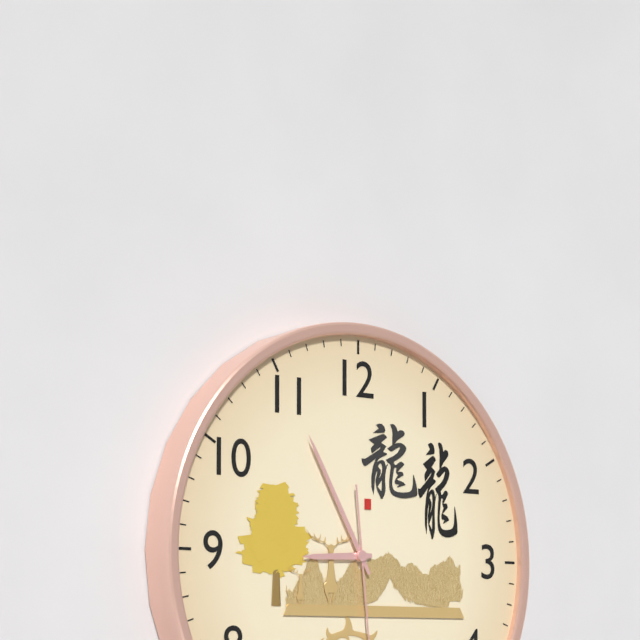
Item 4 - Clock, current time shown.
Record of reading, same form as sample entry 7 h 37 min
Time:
8 h 55 min
